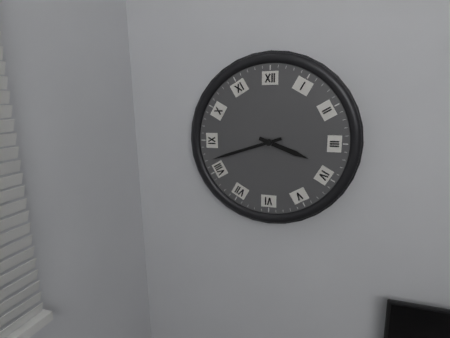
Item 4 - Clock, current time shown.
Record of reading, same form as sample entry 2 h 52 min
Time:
3 h 42 min
